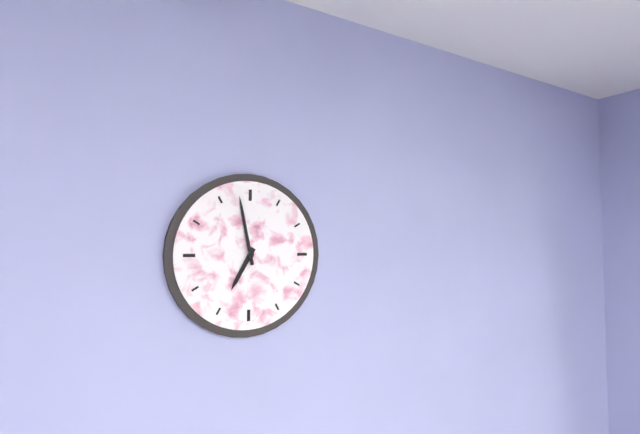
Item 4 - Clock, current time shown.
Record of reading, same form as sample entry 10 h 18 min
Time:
6 h 58 min
